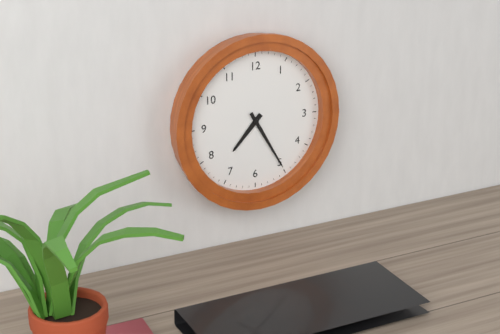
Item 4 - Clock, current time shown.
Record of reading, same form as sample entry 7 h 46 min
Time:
7 h 25 min
